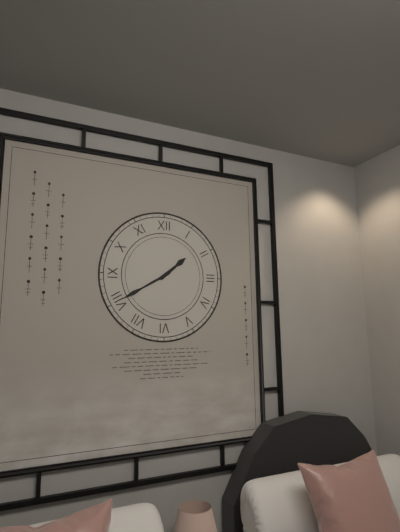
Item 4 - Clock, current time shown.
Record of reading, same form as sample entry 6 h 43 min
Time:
1 h 40 min
